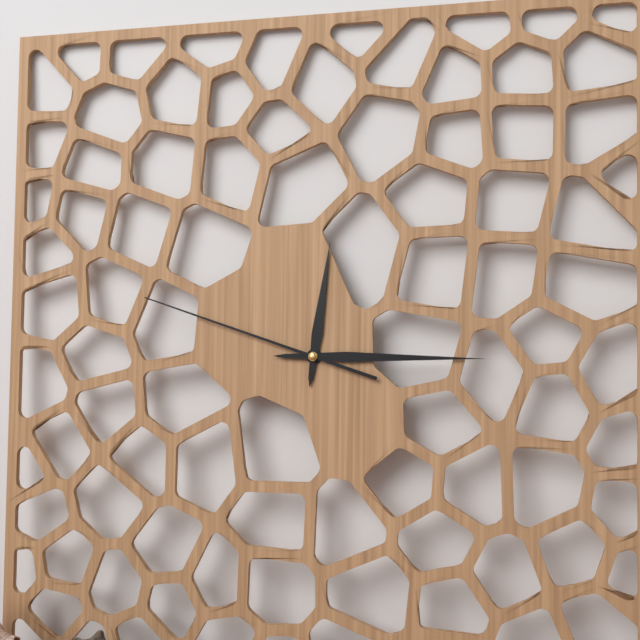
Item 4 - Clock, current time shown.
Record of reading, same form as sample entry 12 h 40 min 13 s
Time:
12 h 15 min 48 s
